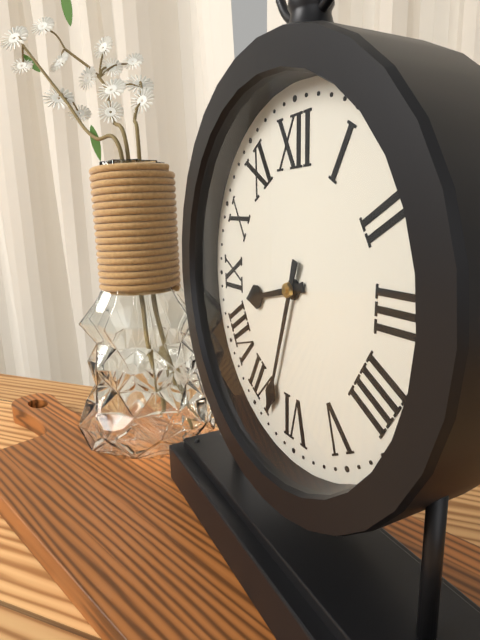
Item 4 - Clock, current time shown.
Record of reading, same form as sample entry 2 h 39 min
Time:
8 h 33 min
